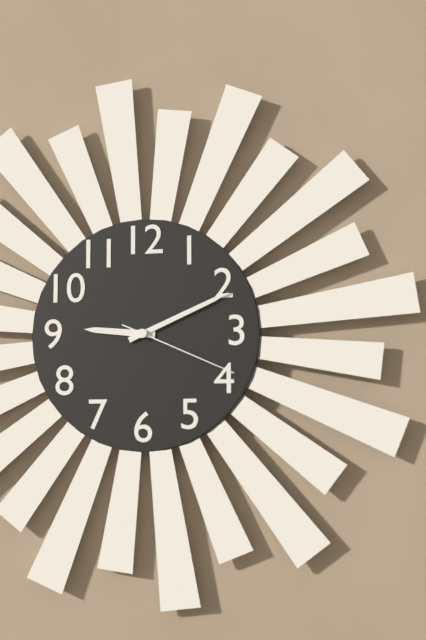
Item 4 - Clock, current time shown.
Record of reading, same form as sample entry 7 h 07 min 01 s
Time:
9 h 11 min 19 s
